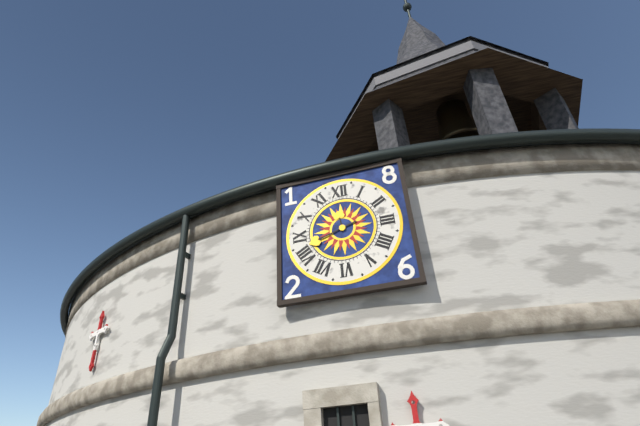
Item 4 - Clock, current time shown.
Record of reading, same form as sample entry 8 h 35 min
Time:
11 h 42 min
